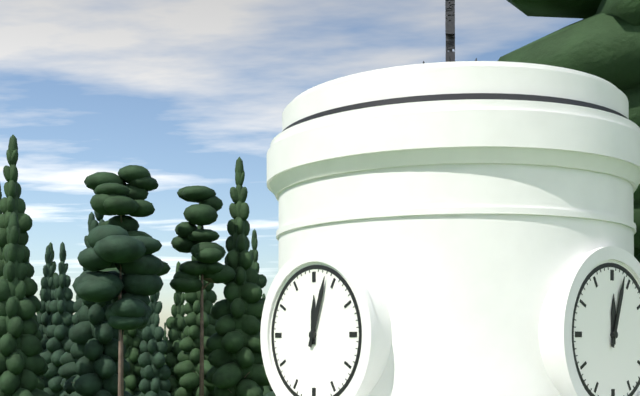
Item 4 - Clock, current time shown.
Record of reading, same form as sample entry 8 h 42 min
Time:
12 h 03 min
